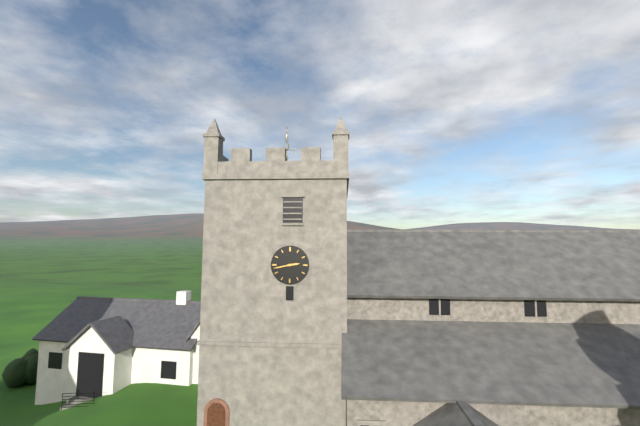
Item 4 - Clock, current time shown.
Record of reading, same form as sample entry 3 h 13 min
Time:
2 h 43 min
